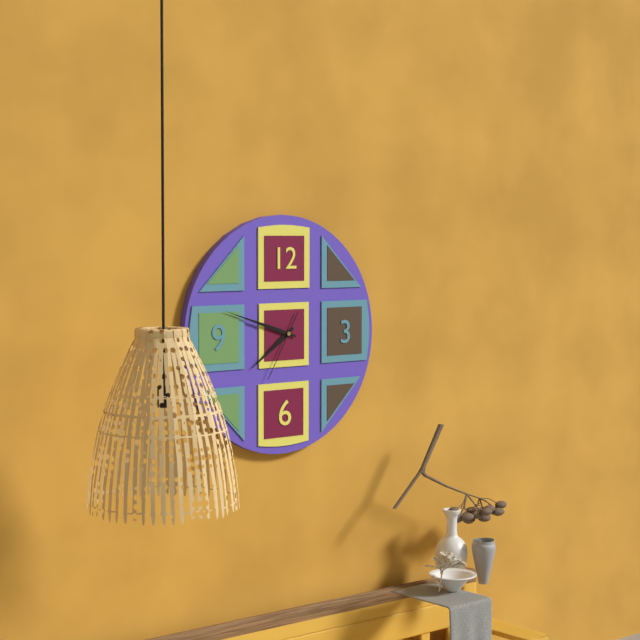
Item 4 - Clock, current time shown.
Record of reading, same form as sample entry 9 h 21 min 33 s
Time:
7 h 48 min 35 s
